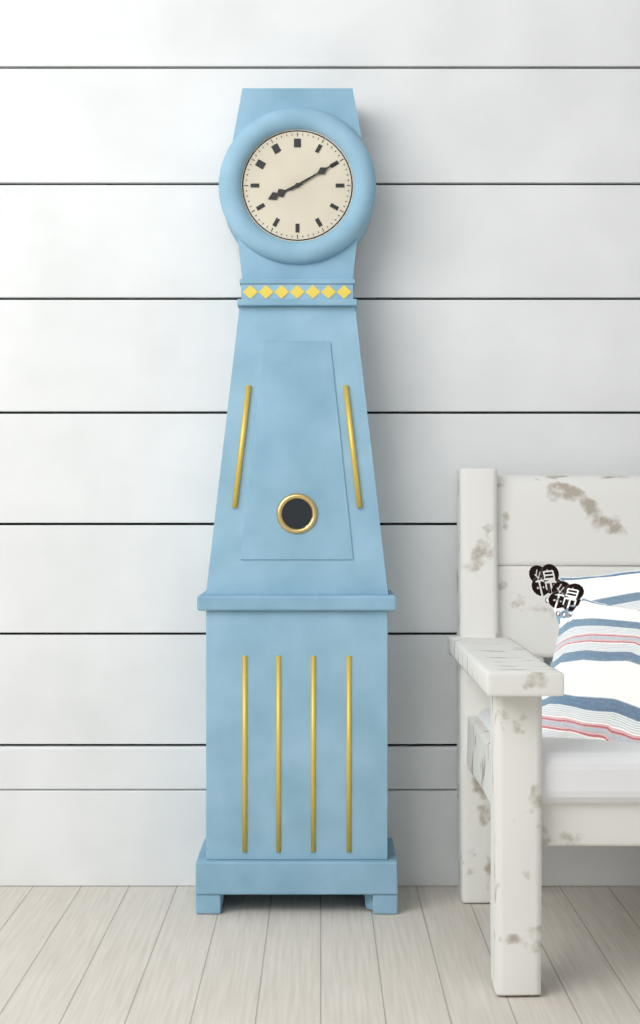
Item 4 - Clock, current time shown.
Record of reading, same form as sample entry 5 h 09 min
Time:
8 h 10 min
